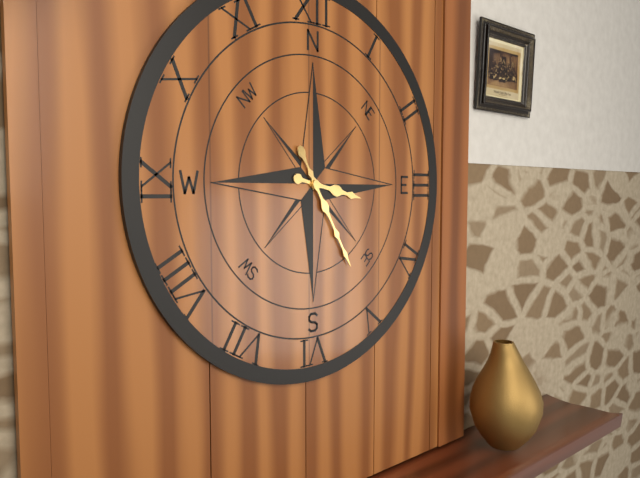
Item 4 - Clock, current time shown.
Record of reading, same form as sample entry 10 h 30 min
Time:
3 h 25 min
